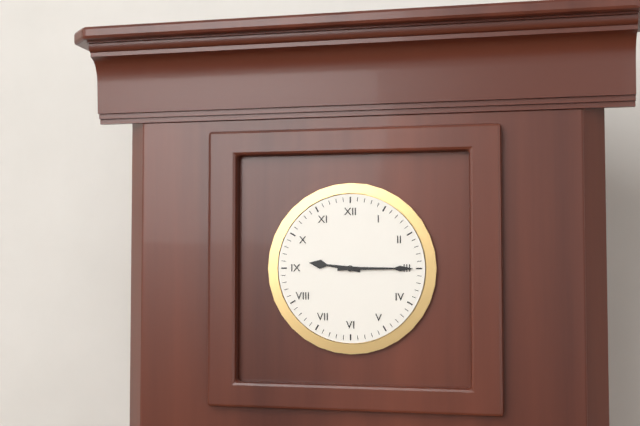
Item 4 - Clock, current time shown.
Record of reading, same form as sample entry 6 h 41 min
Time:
9 h 15 min
